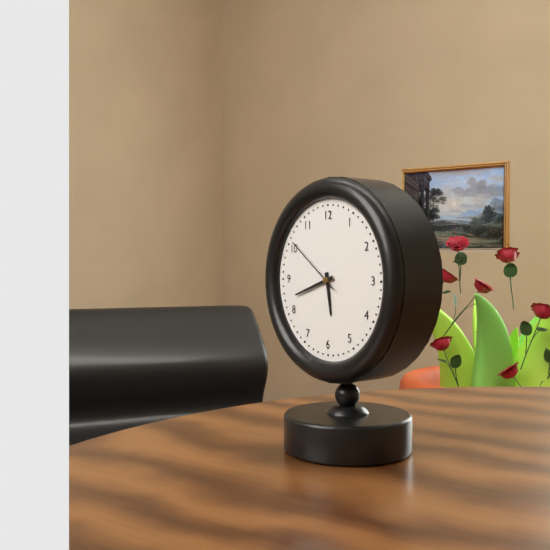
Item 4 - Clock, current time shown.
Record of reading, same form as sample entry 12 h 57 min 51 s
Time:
5 h 42 min 51 s
